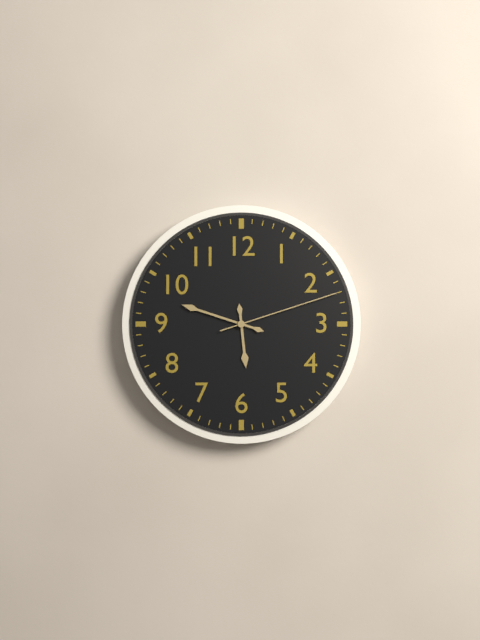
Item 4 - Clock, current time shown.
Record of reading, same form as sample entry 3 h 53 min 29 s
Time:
5 h 48 min 12 s
